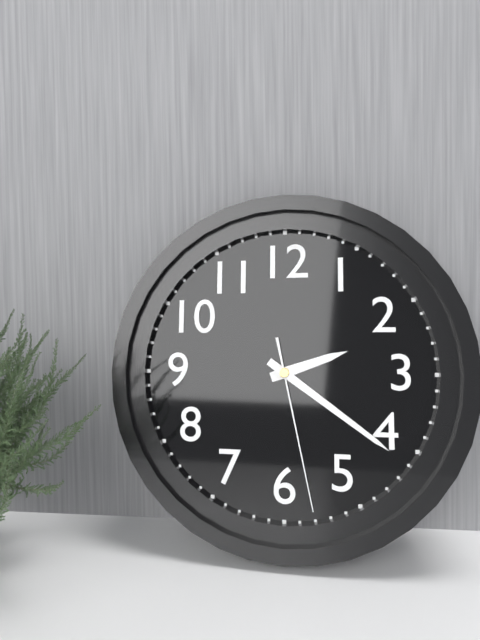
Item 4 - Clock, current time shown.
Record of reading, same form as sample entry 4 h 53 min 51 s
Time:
2 h 21 min 28 s
